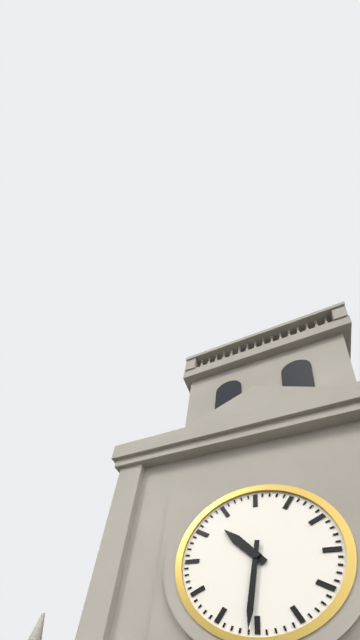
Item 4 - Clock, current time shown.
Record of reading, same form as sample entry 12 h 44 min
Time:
10 h 31 min
